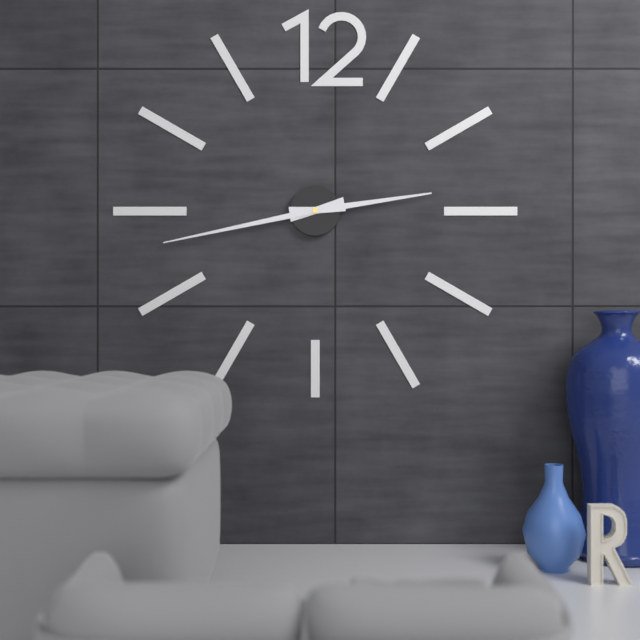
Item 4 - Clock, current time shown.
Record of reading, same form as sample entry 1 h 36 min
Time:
2 h 43 min
